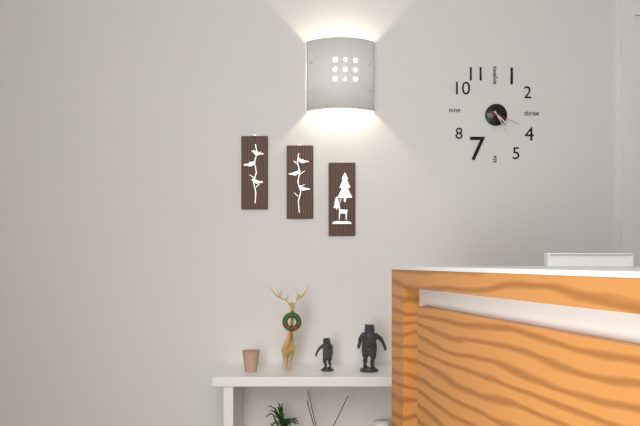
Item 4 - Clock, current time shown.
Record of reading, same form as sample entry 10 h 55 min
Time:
4 h 25 min
